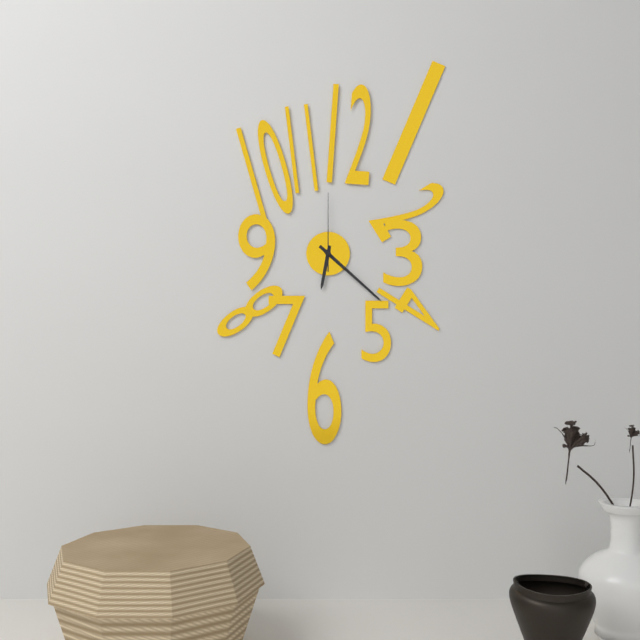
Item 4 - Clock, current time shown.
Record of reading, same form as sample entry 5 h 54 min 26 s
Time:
6 h 22 min 00 s
